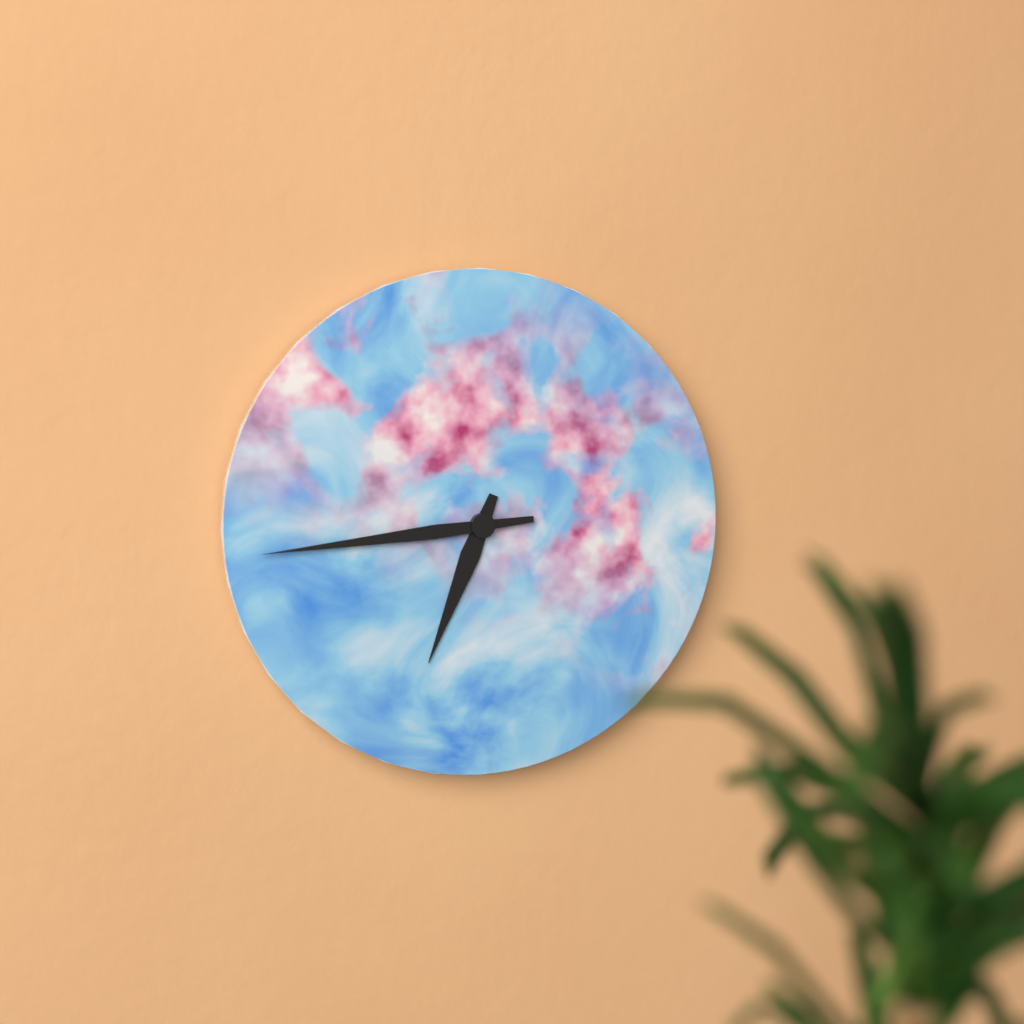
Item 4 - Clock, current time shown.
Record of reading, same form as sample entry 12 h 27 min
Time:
6 h 44 min
